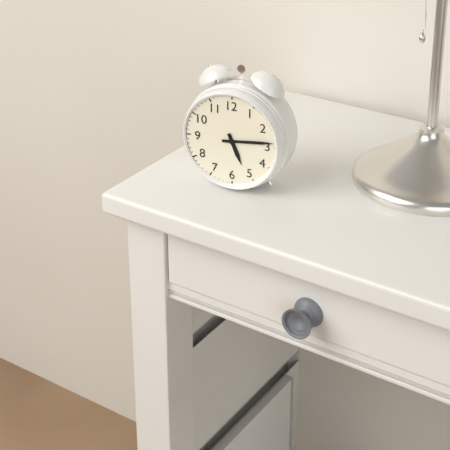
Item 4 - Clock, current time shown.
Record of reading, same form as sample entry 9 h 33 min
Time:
5 h 14 min
